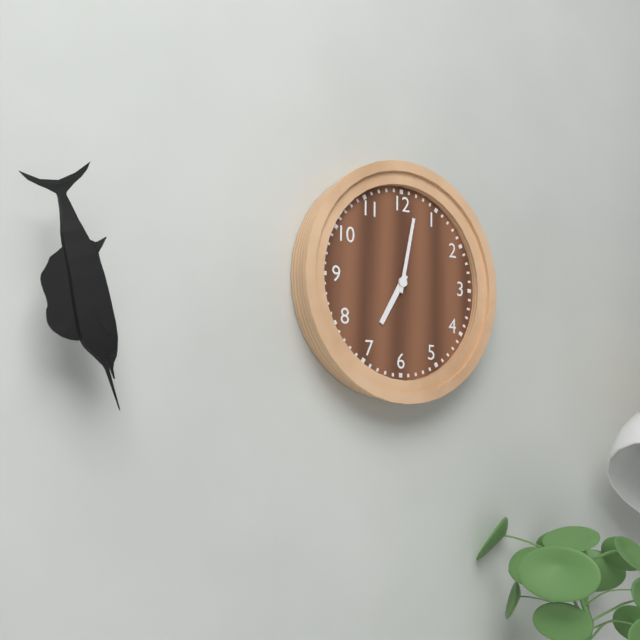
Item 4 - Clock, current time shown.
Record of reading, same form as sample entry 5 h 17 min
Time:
7 h 02 min
